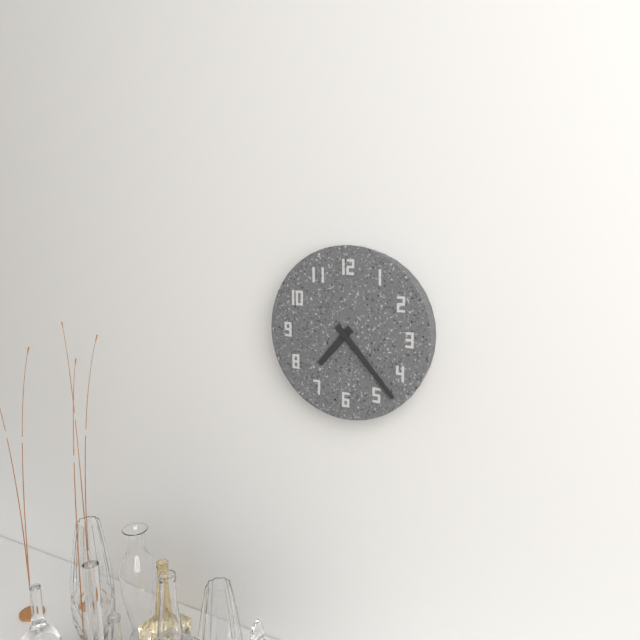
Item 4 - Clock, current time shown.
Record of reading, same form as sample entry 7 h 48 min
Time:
7 h 23 min
